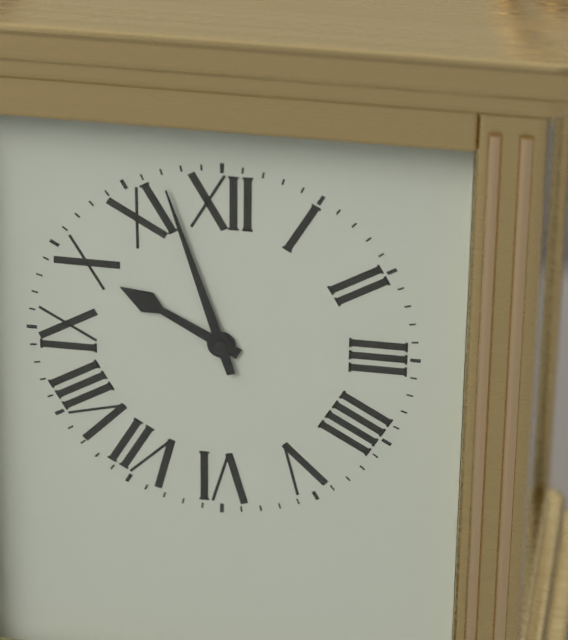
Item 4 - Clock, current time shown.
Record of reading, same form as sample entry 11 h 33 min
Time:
9 h 57 min
